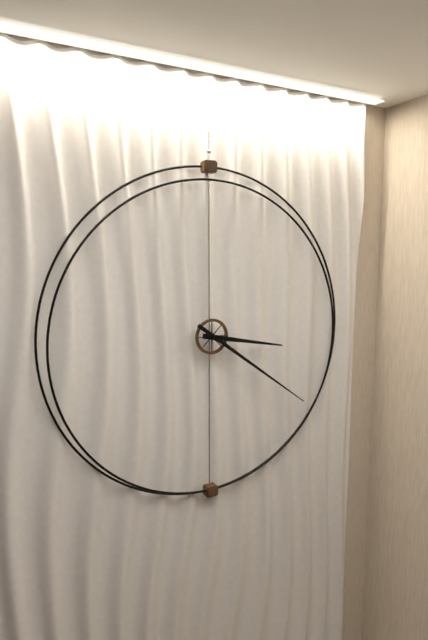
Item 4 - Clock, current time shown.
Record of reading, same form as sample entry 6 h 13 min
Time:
3 h 21 min
